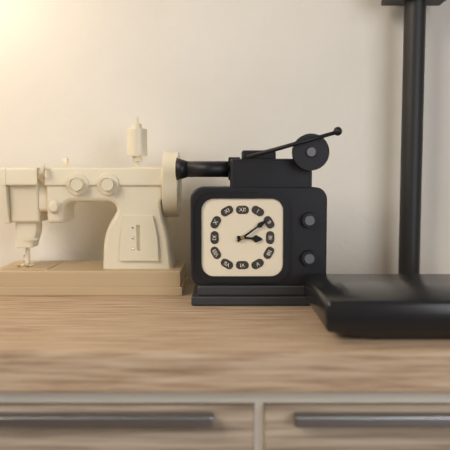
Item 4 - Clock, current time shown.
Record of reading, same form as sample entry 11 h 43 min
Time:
3 h 09 min
